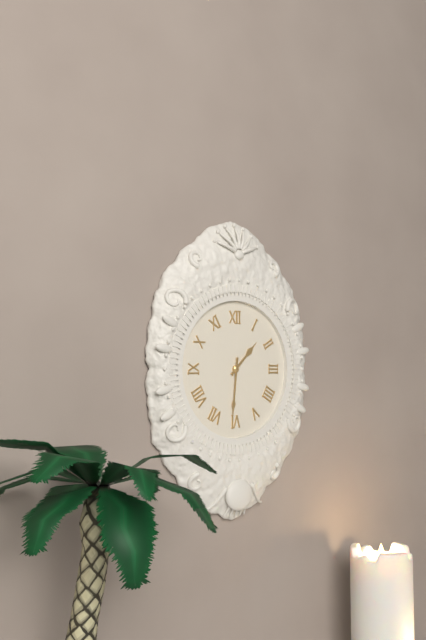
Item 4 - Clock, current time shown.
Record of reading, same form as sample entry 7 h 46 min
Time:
1 h 31 min
